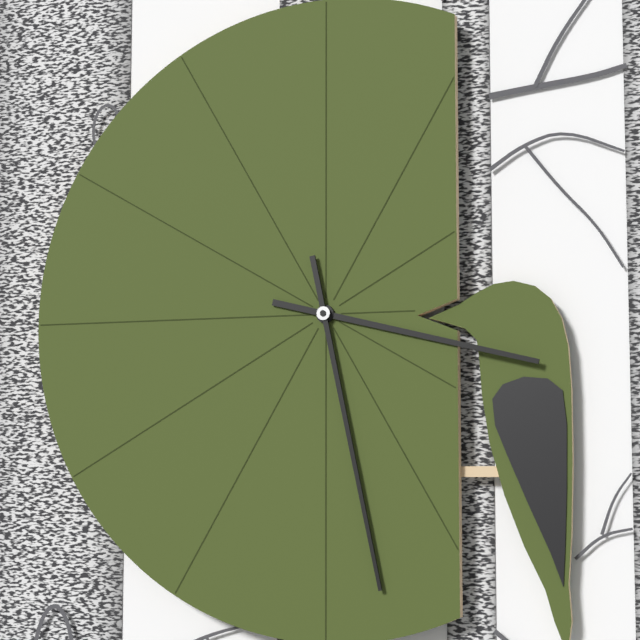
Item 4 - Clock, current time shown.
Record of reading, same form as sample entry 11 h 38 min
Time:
3 h 28 min
